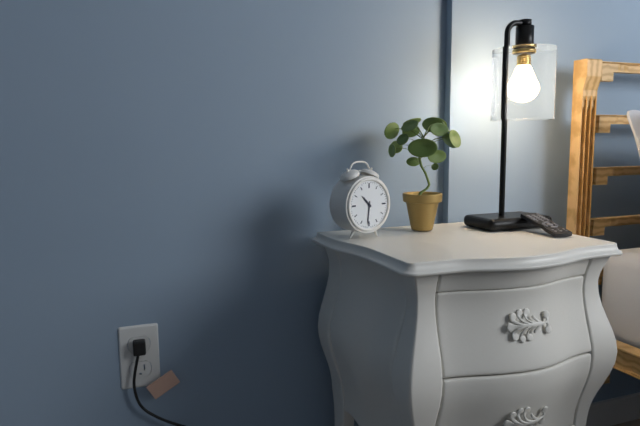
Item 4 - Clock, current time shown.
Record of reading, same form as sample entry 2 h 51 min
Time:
10 h 31 min
